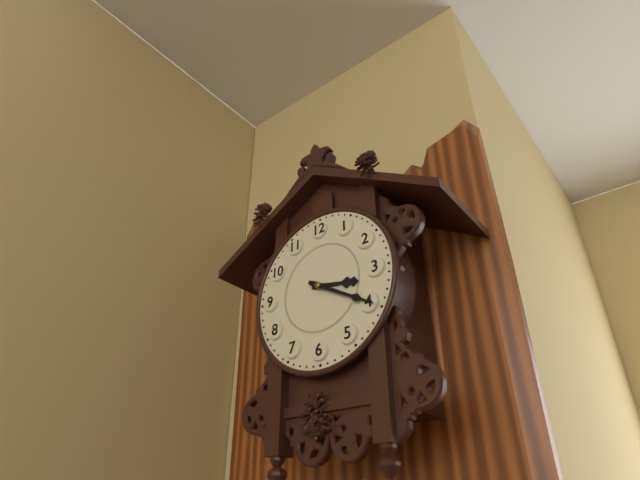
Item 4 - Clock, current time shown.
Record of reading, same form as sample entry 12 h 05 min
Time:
3 h 20 min
